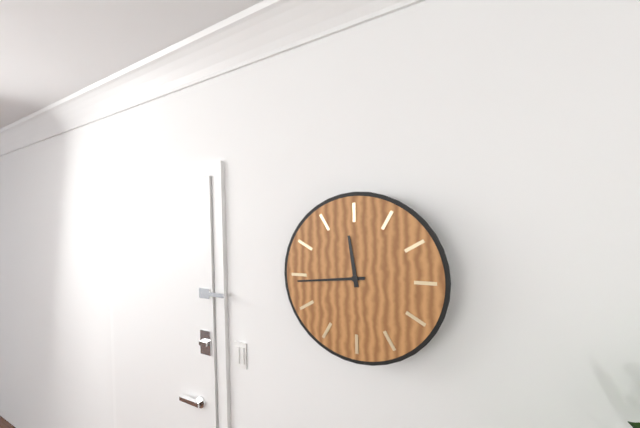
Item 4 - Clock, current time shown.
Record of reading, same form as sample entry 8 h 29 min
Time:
11 h 44 min
